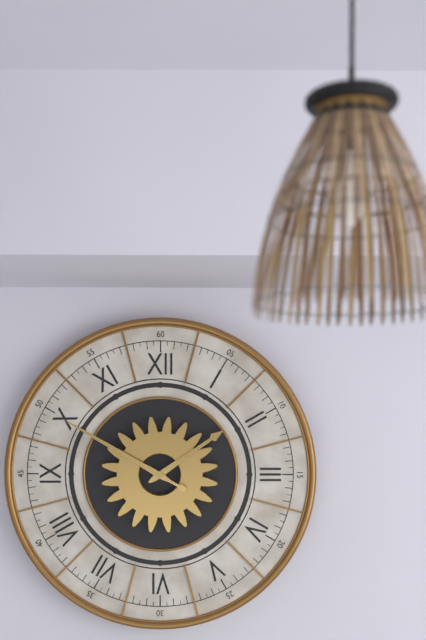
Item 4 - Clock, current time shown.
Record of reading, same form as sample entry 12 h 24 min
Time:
1 h 50 min
